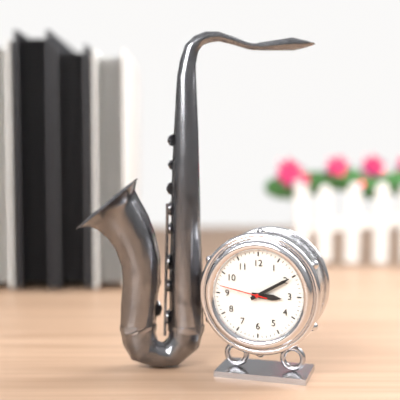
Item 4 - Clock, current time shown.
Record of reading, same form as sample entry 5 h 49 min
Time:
3 h 10 min
